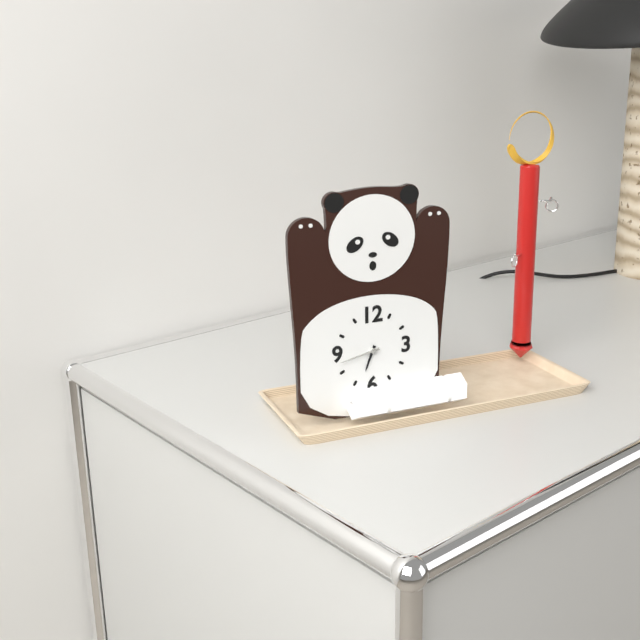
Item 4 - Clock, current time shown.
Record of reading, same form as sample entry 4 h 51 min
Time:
6 h 43 min
